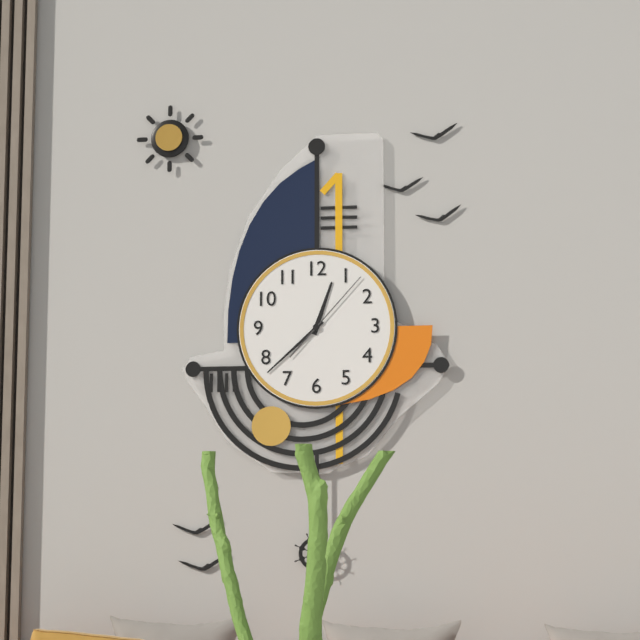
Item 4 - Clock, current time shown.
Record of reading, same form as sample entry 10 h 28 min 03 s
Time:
12 h 38 min 07 s
